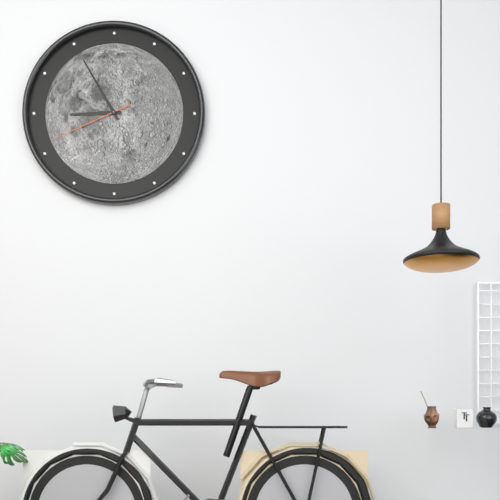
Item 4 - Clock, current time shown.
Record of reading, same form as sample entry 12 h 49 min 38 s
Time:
8 h 55 min 41 s
